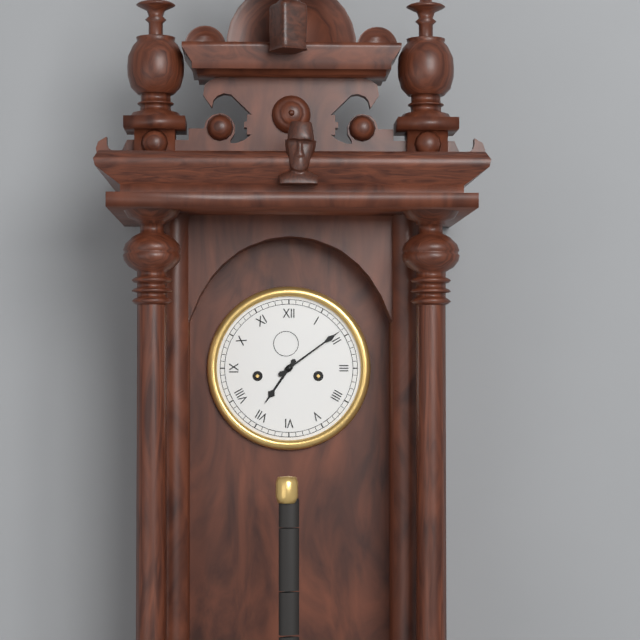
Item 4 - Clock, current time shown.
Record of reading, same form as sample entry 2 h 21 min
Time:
7 h 09 min
